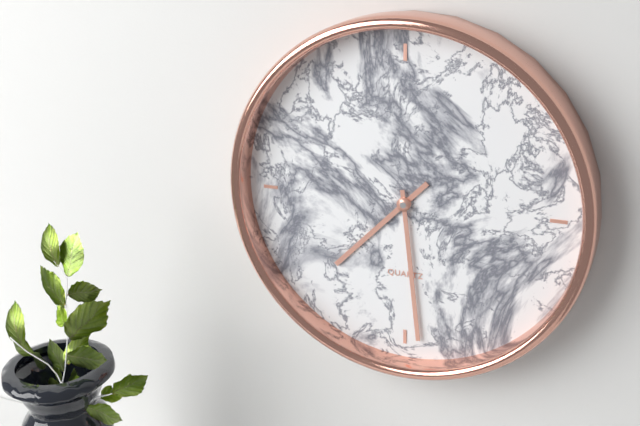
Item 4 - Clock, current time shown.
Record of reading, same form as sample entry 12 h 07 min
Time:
7 h 29 min
